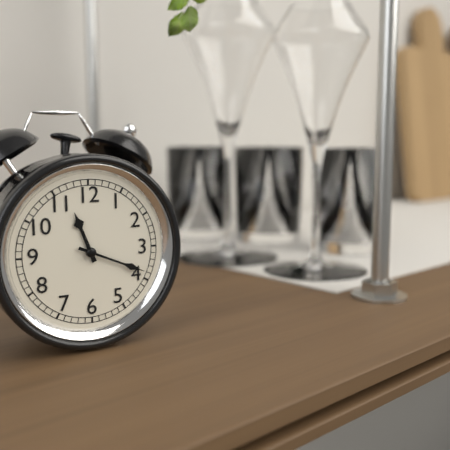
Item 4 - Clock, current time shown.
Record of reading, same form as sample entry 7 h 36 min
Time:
11 h 19 min
